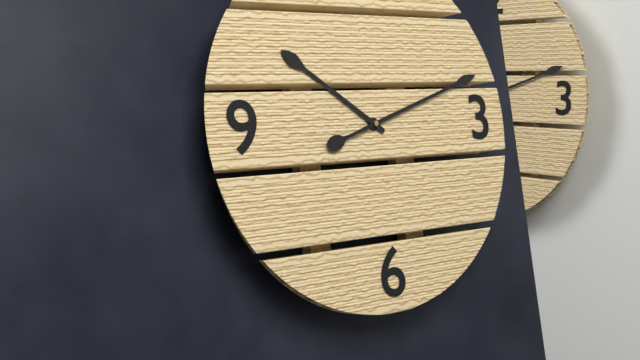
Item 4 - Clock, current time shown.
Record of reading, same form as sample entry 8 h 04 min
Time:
10 h 12 min
